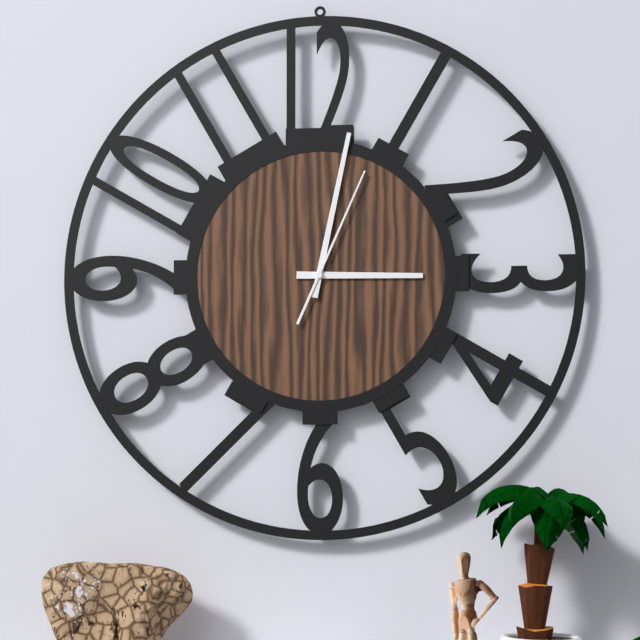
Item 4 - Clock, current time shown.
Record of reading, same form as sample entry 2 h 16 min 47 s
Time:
3 h 02 min 04 s
